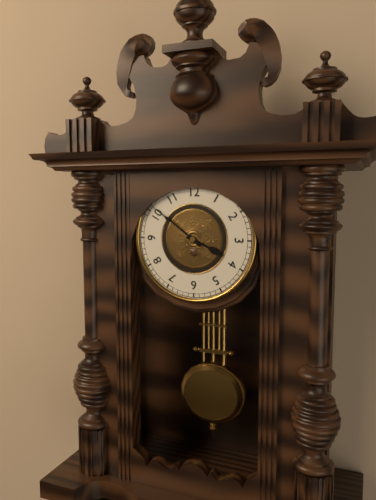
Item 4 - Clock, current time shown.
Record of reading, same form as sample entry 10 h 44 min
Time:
3 h 51 min
